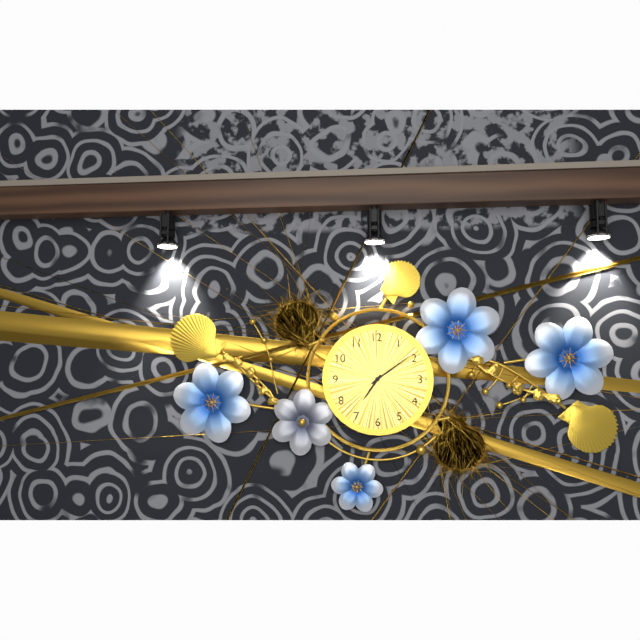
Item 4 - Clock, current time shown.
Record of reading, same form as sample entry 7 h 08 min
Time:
7 h 09 min
